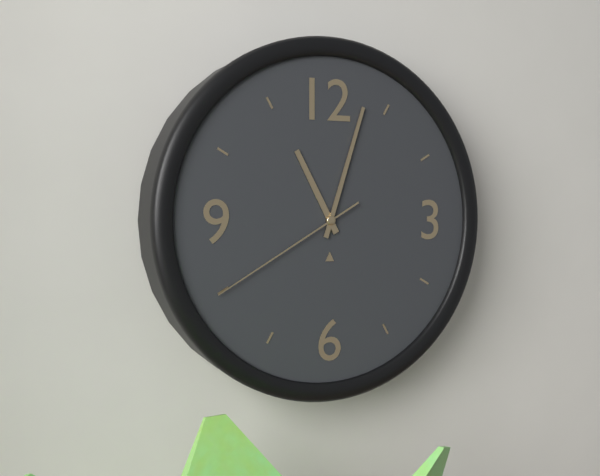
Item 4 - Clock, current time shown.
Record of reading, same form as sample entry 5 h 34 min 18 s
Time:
11 h 03 min 40 s
